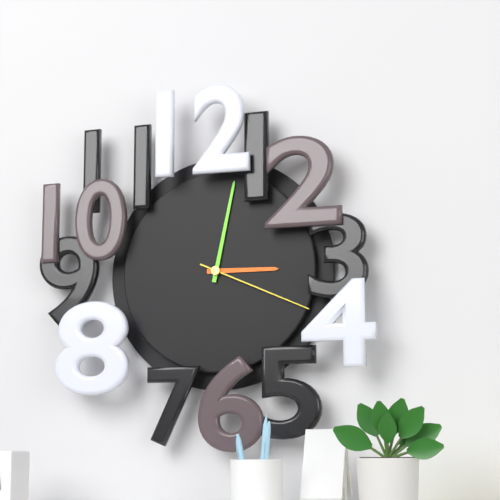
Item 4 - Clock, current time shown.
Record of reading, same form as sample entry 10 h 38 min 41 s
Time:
3 h 02 min 19 s
